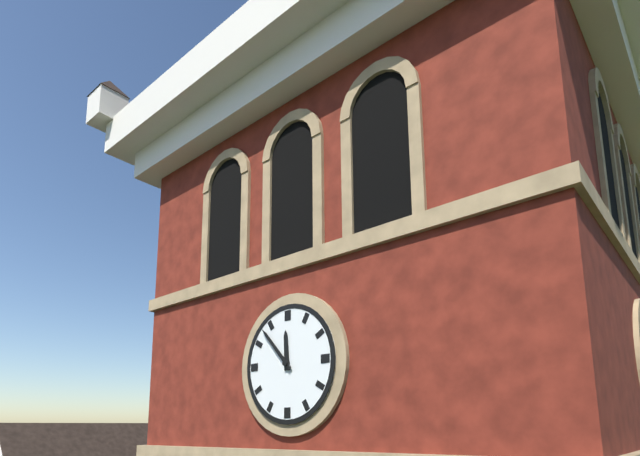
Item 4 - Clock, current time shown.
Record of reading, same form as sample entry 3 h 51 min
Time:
11 h 53 min
